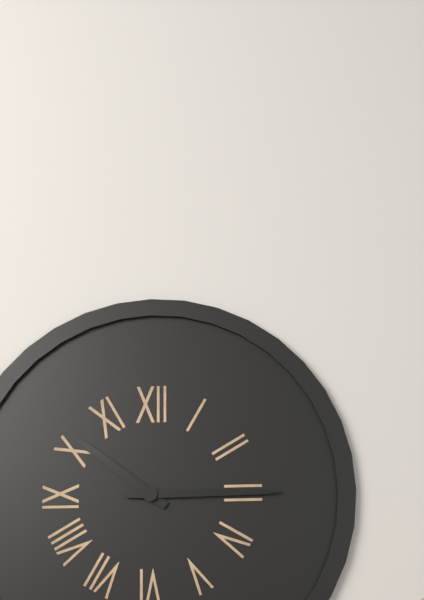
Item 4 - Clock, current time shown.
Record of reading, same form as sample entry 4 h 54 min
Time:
10 h 15 min
